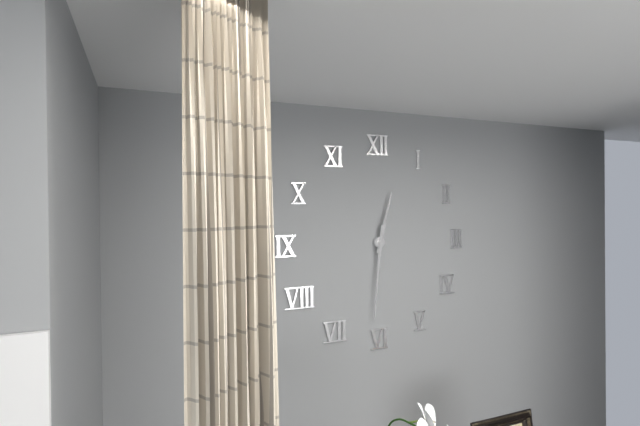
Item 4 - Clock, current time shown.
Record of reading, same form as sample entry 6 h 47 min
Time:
12 h 31 min
